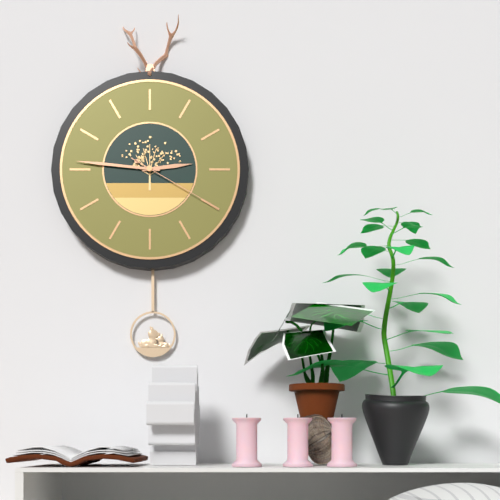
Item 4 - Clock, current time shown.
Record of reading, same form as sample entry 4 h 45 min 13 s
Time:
2 h 46 min 20 s
